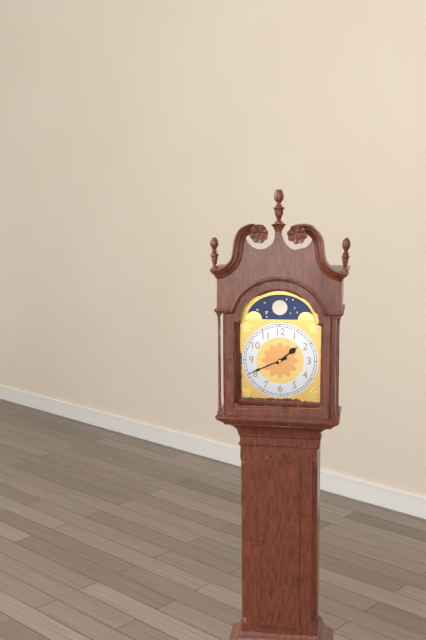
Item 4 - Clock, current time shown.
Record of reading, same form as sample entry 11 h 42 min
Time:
1 h 41 min
